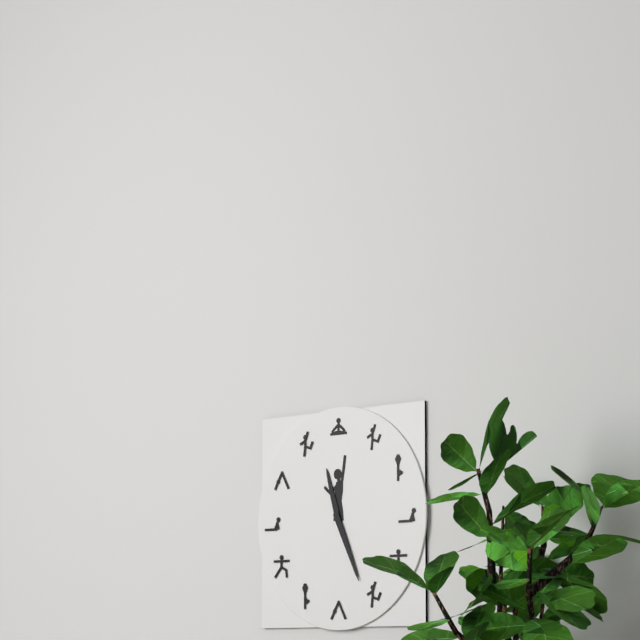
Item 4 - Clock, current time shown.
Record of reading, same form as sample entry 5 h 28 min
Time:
11 h 26 min
